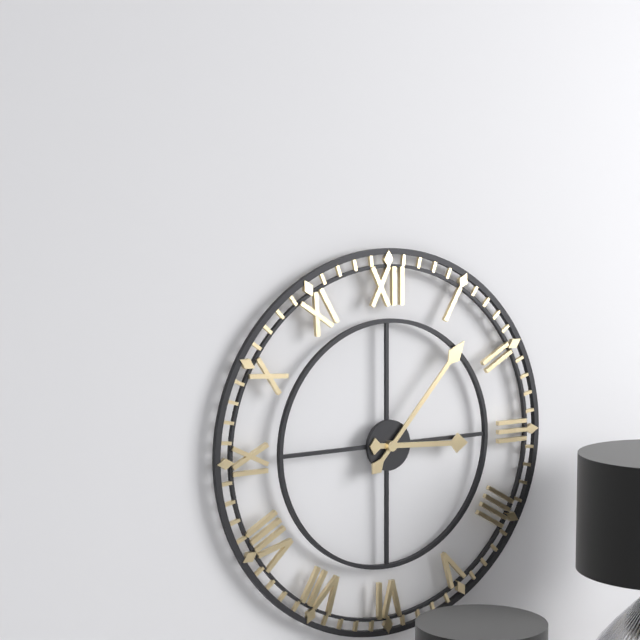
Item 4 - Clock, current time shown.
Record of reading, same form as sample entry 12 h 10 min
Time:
3 h 07 min
